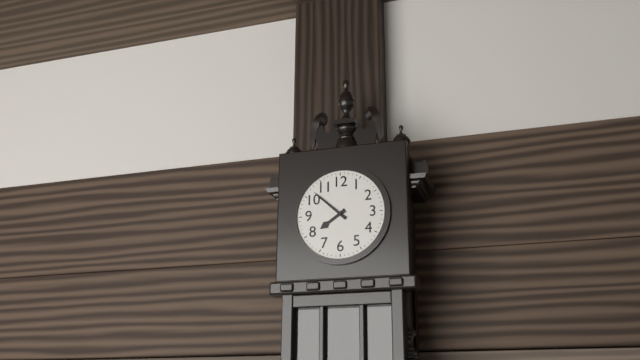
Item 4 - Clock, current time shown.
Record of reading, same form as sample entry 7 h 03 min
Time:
7 h 52 min
